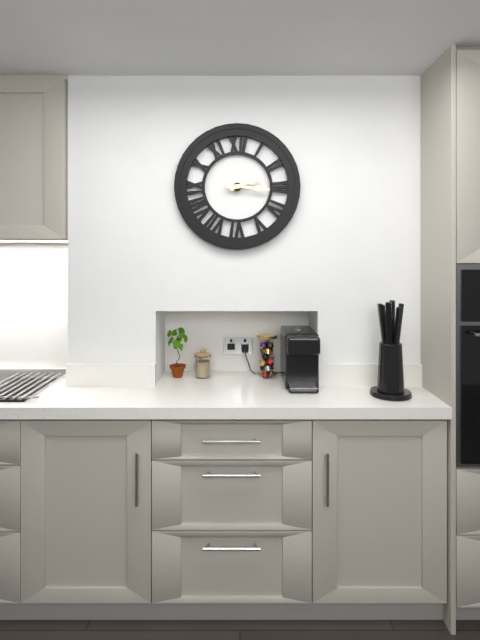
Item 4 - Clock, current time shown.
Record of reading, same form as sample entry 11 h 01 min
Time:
2 h 16 min
